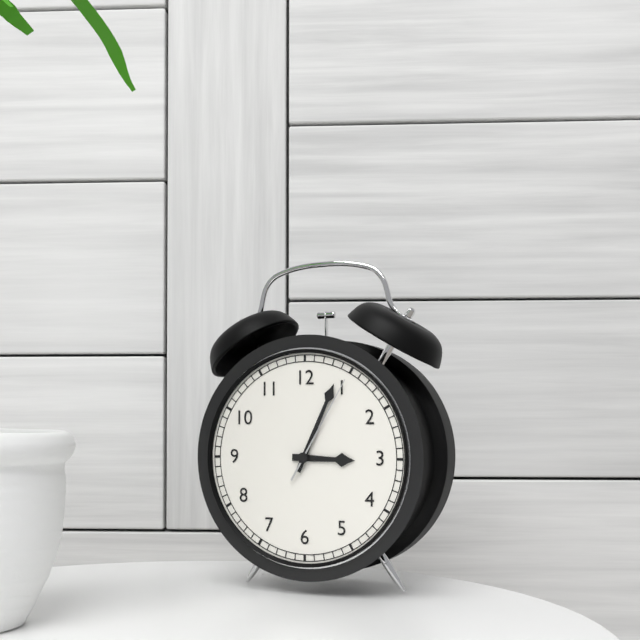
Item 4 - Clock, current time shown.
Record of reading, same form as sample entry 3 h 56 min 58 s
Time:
3 h 04 min 05 s
